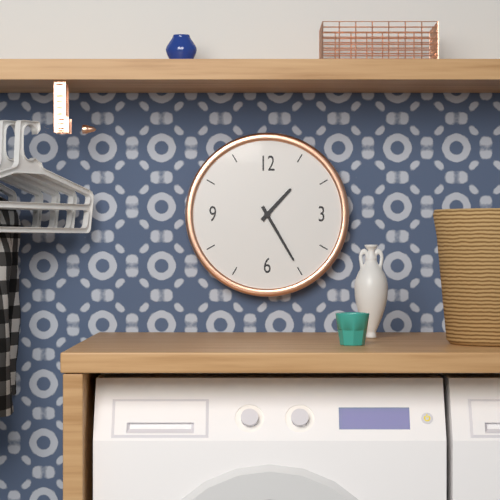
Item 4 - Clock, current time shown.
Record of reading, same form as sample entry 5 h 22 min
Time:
1 h 25 min
